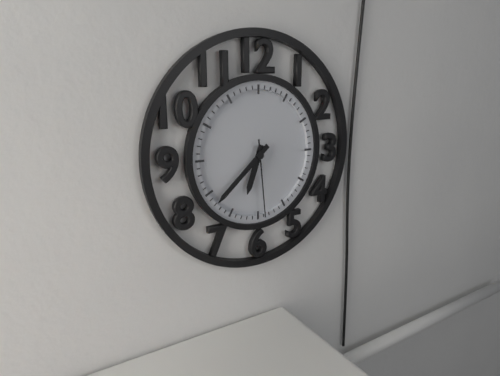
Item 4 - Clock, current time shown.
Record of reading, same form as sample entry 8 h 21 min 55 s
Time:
6 h 38 min 29 s
